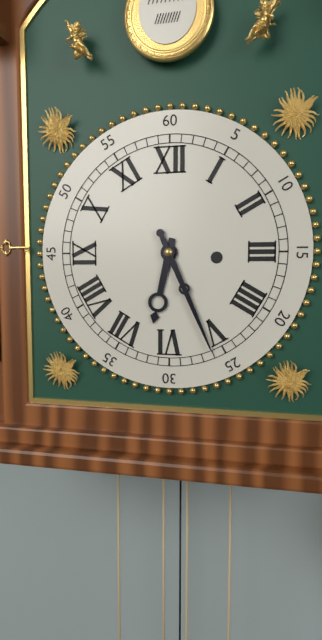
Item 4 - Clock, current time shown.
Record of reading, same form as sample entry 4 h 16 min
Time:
6 h 26 min
